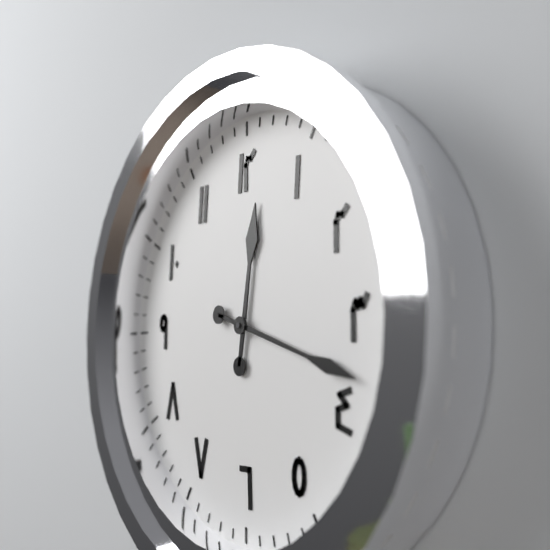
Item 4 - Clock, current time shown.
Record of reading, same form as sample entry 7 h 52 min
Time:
12 h 18 min
